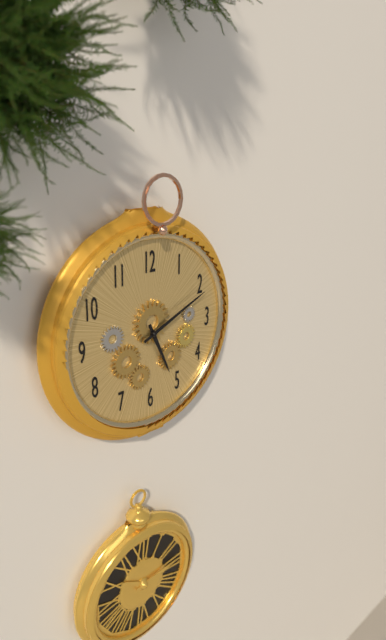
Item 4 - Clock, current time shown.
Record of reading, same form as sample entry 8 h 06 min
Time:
5 h 11 min
